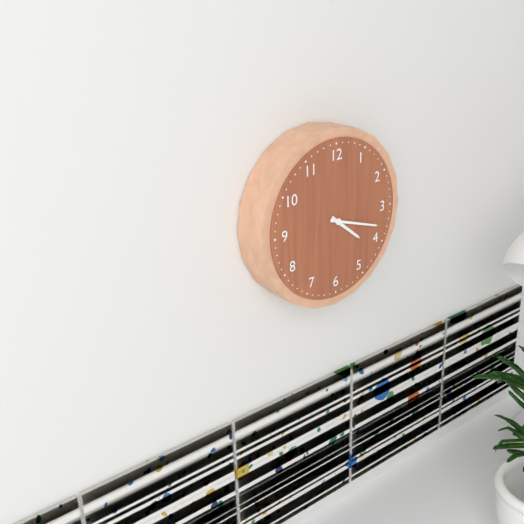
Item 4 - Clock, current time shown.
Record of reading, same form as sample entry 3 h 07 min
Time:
4 h 18 min
